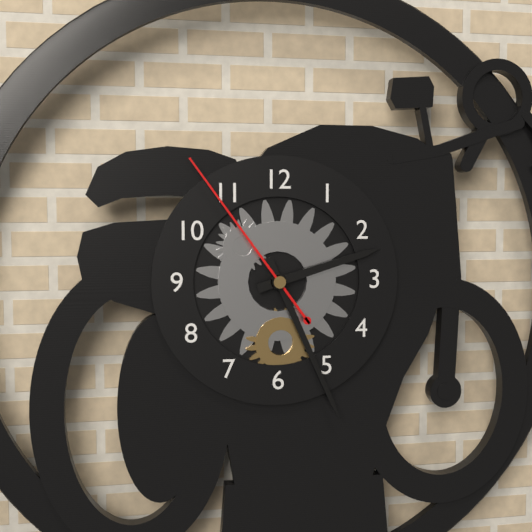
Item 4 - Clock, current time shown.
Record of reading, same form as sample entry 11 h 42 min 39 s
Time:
2 h 26 min 54 s
